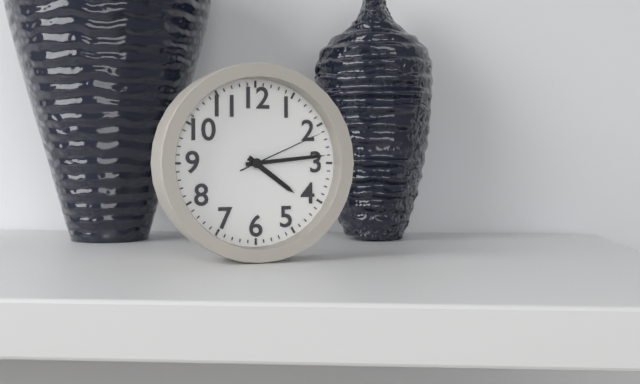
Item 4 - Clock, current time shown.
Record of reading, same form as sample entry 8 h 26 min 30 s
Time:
4 h 14 min 11 s
